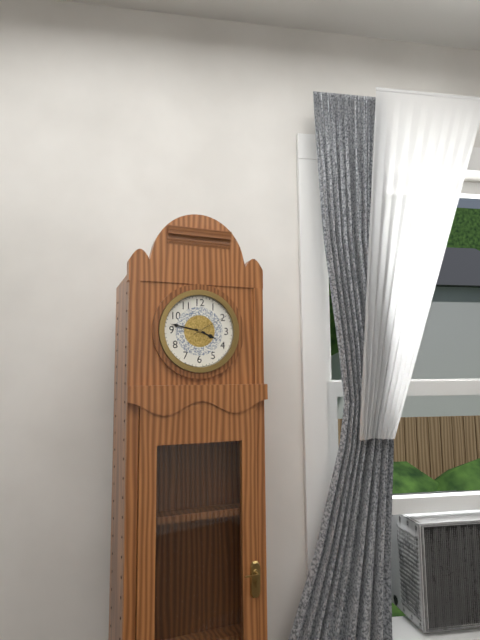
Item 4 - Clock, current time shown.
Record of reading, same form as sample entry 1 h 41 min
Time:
3 h 47 min
